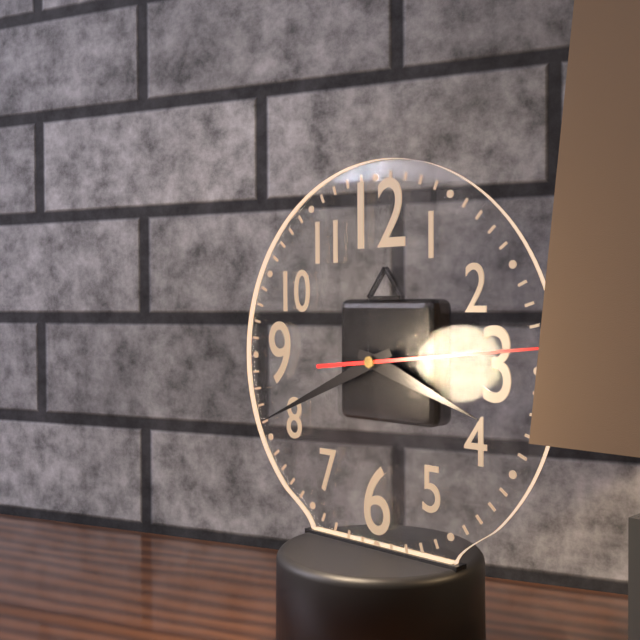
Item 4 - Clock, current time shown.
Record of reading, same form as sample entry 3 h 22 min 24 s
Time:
3 h 41 min 14 s
